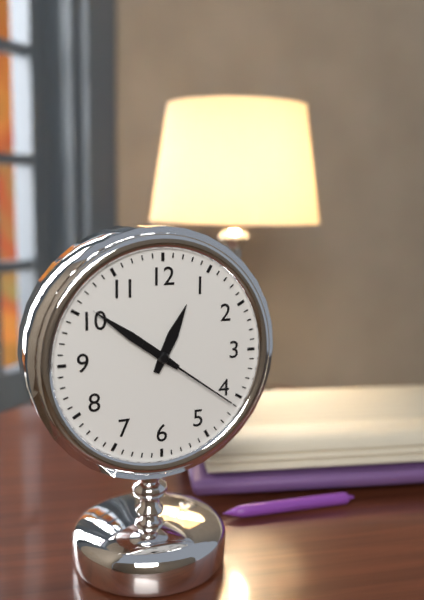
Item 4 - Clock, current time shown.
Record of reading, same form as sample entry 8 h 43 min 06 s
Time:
12 h 51 min 21 s
